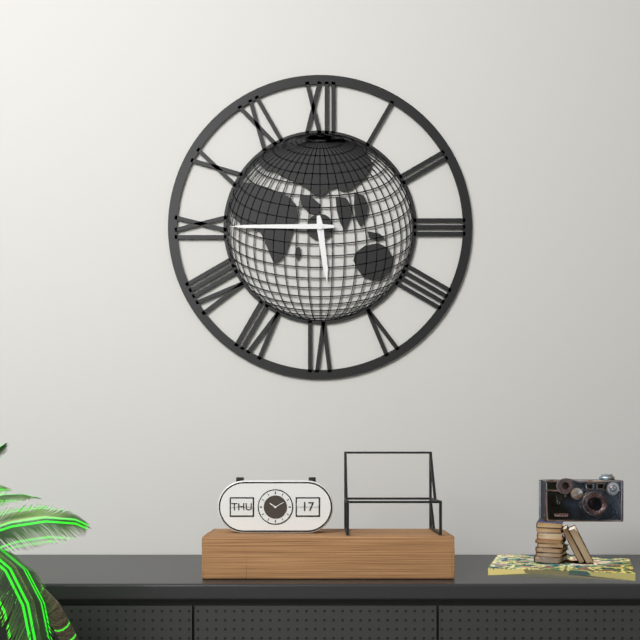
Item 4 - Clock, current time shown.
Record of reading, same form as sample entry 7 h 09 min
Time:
5 h 45 min
